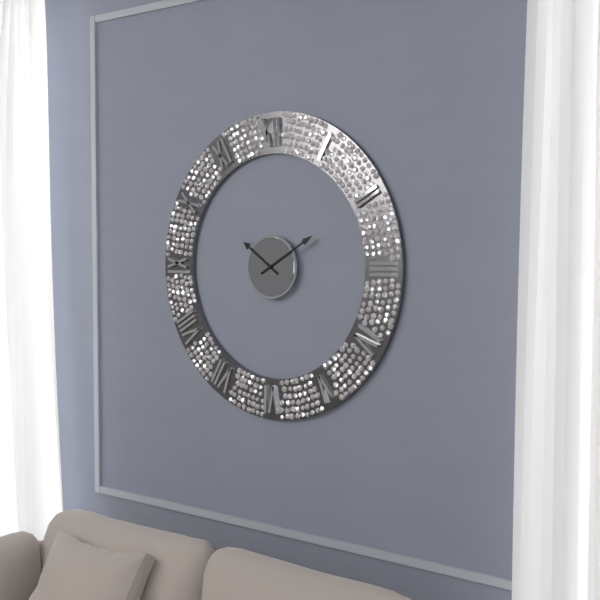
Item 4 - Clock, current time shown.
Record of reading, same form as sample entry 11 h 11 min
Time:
10 h 10 min
